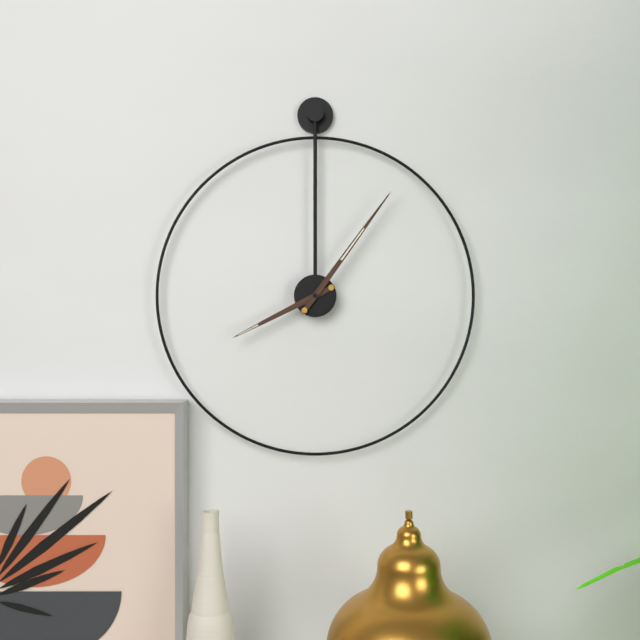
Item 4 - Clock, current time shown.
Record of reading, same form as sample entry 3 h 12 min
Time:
8 h 06 min
